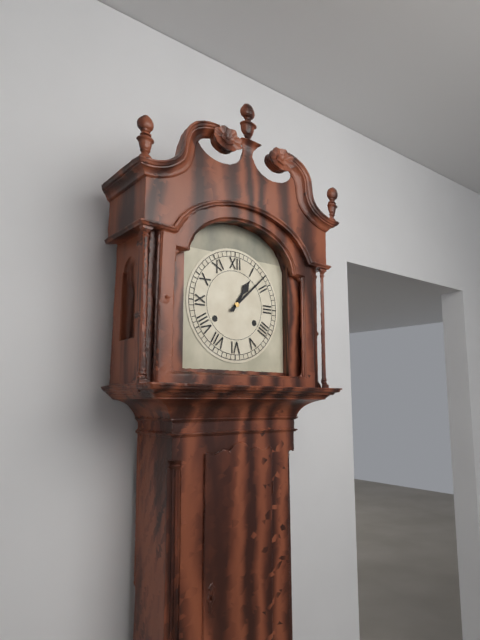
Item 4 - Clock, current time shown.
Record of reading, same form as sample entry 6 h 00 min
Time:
1 h 08 min
